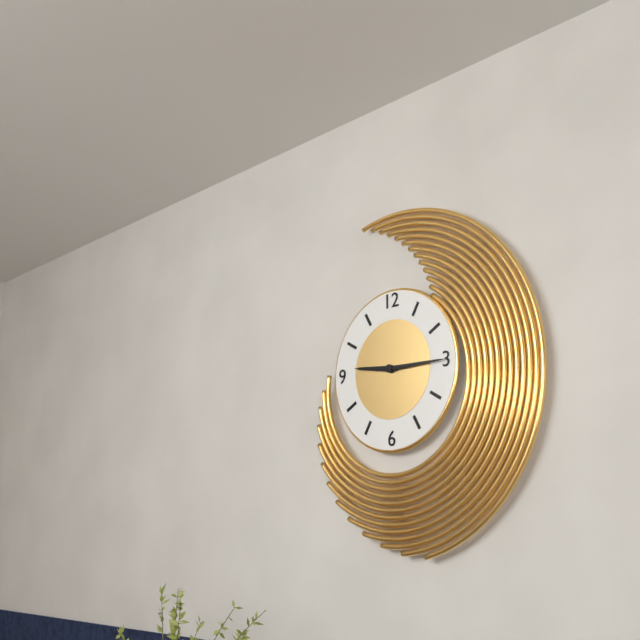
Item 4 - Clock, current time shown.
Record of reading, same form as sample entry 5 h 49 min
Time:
9 h 15 min
